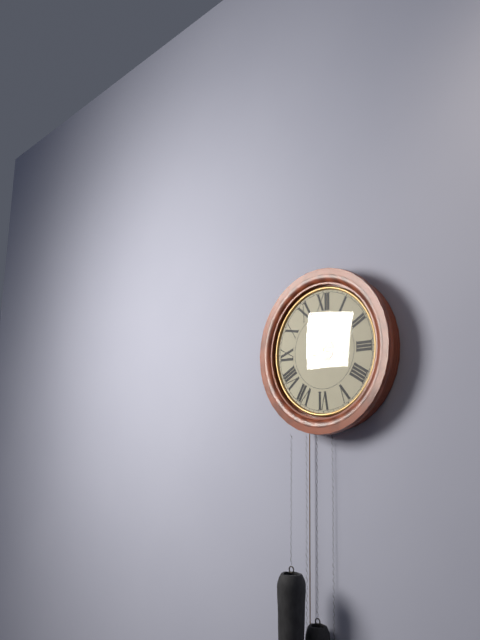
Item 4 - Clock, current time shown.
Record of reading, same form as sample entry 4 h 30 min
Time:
3 h 07 min
